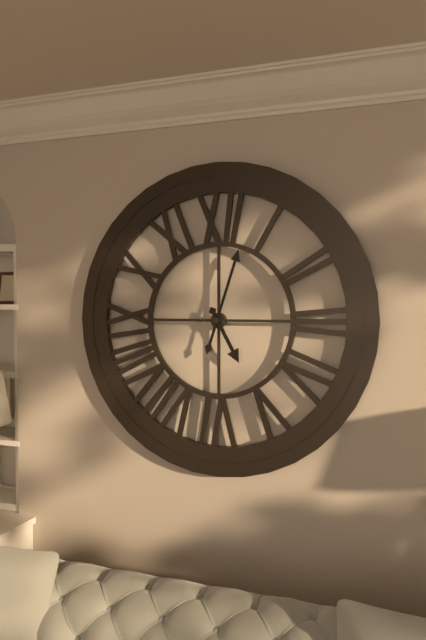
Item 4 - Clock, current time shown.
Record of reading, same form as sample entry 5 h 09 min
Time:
5 h 03 min
